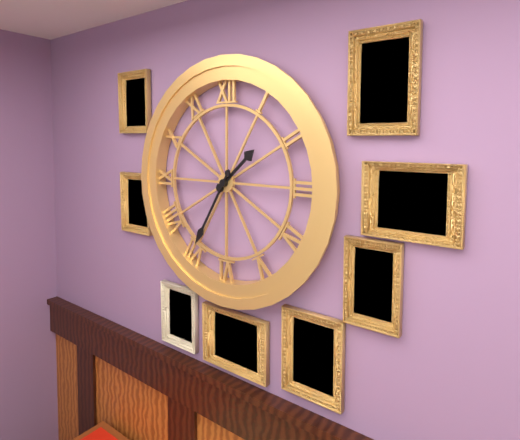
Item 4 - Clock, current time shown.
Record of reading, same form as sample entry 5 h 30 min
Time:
1 h 35 min
